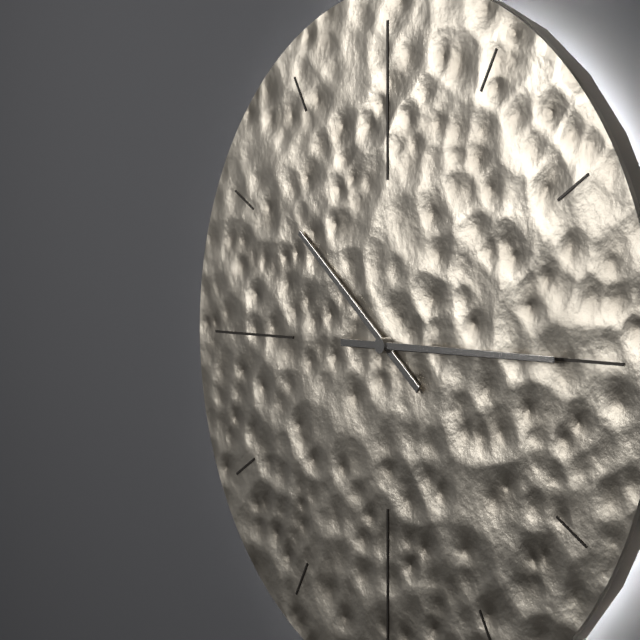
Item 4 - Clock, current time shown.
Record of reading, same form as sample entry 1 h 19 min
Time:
10 h 15 min
